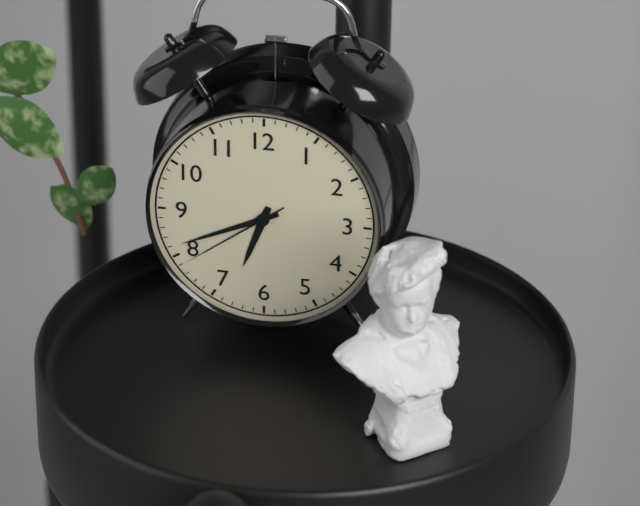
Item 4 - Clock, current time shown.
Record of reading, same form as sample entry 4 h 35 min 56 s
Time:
6 h 41 min 39 s
